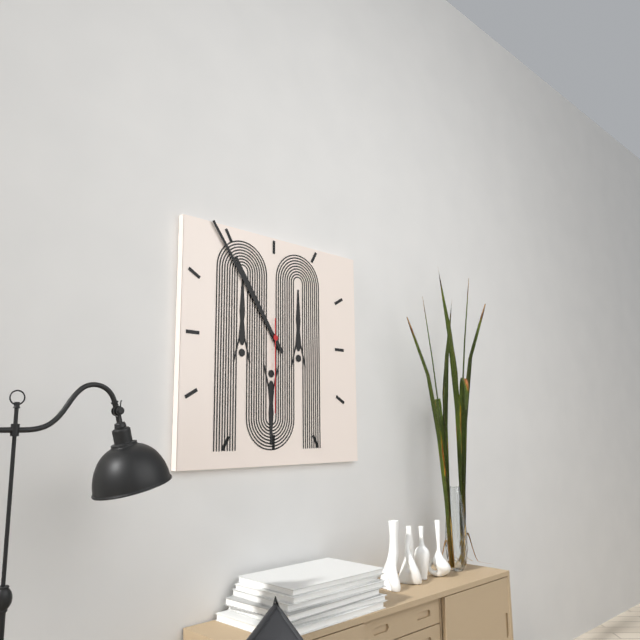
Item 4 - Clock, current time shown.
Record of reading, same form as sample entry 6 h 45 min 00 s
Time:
10 h 54 min 30 s
